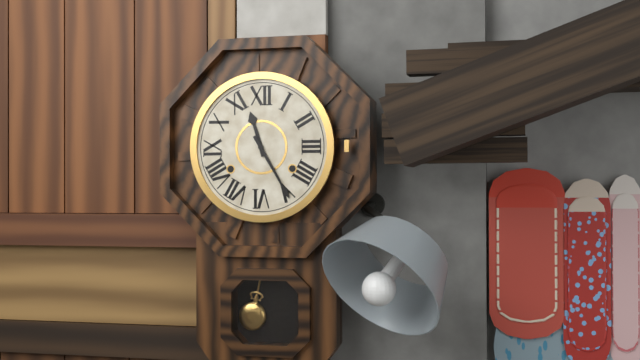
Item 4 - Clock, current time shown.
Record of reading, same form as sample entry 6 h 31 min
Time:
11 h 25 min
